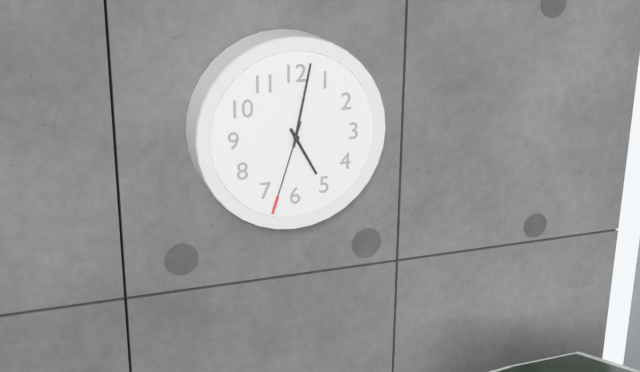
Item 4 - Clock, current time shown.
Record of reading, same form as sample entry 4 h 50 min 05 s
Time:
5 h 02 min 33 s
